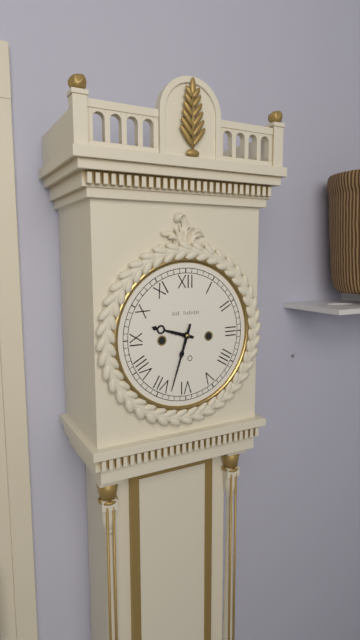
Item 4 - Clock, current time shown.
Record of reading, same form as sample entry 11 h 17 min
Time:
9 h 33 min
